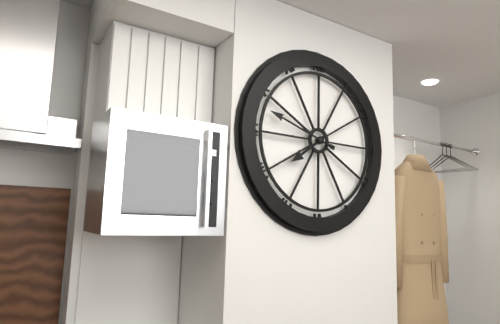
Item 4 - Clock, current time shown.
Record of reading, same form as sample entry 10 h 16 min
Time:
7 h 48 min
